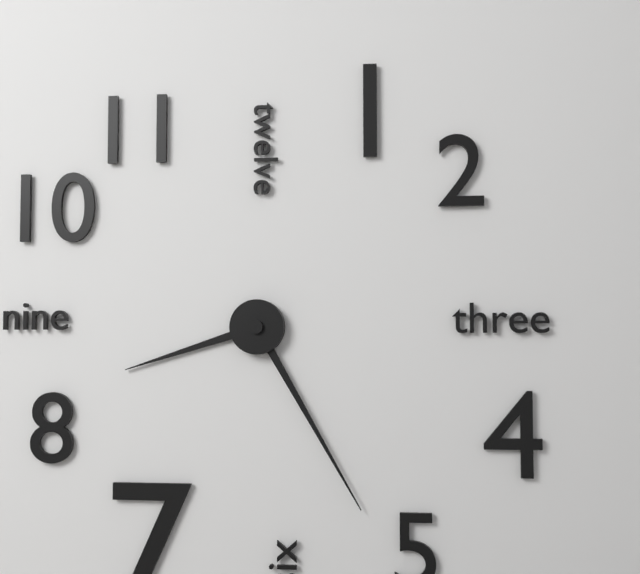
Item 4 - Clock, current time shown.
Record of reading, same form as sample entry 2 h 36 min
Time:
8 h 25 min
